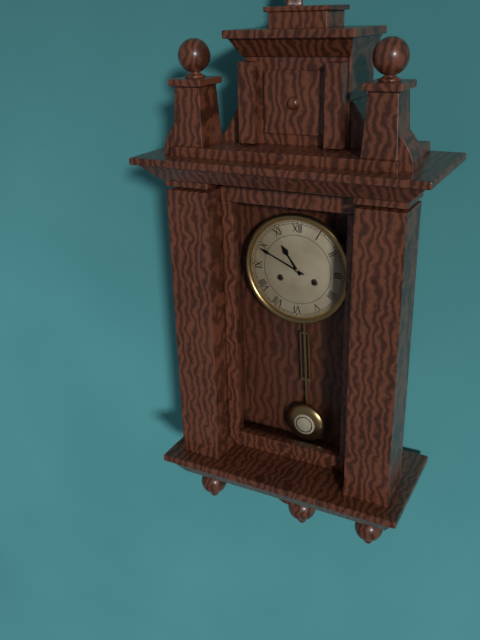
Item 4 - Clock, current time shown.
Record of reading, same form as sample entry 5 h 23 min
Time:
10 h 49 min
